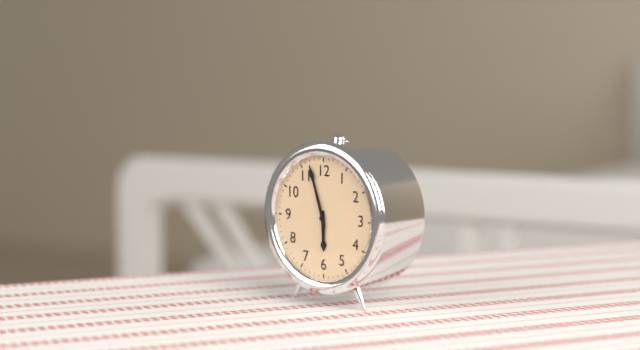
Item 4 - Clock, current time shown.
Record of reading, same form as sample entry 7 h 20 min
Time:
5 h 57 min
